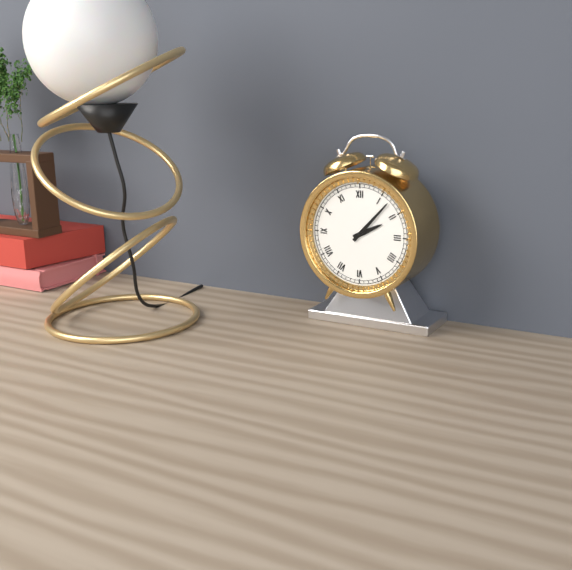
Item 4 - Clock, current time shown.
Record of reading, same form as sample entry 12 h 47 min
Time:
2 h 07 min
